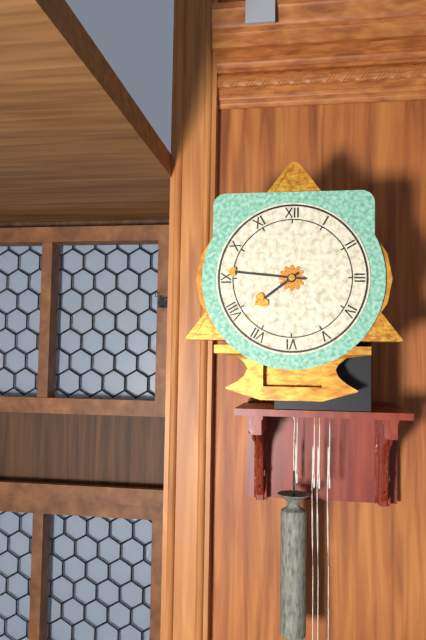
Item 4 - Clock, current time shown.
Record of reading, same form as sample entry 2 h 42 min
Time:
7 h 46 min
